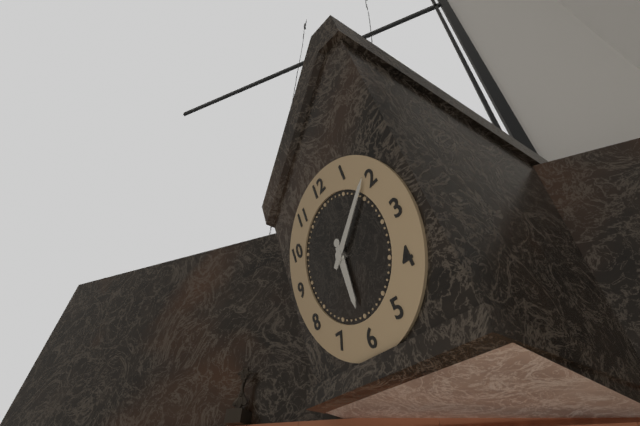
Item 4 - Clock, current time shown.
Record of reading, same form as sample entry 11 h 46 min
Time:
6 h 09 min
